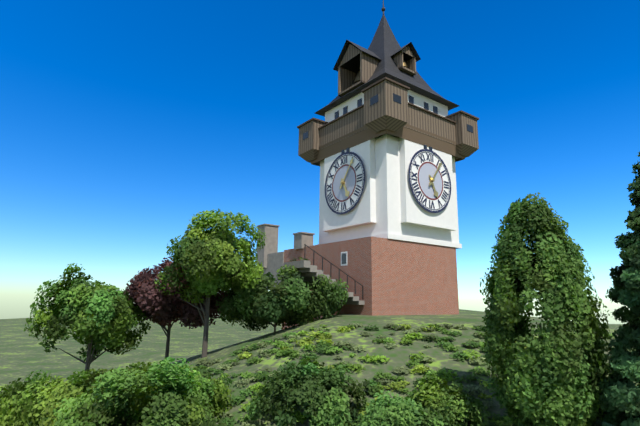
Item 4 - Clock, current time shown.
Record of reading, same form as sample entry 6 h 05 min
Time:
5 h 06 min
